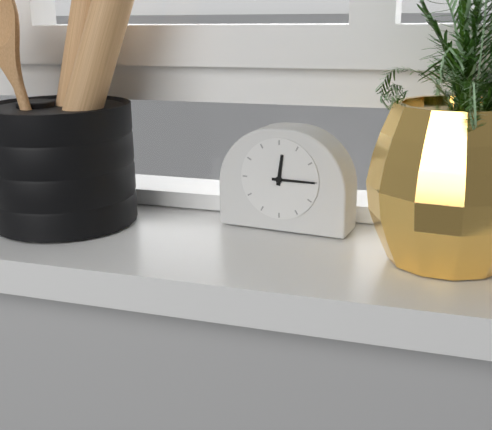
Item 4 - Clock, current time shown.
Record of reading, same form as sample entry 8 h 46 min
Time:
12 h 15 min
